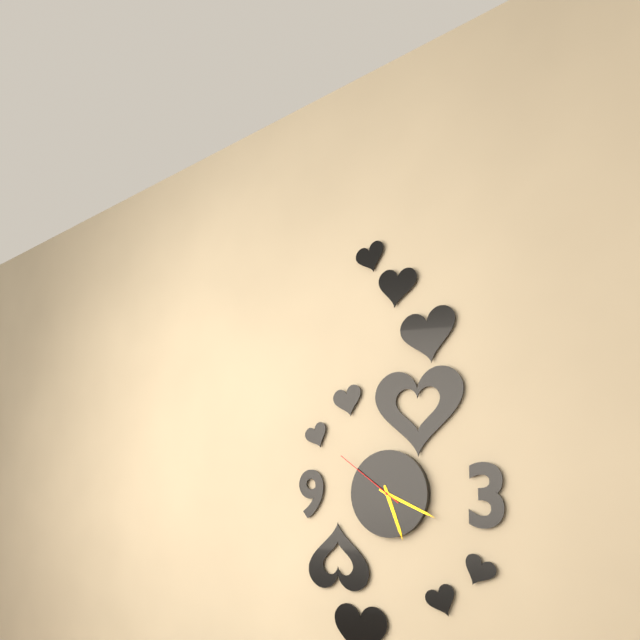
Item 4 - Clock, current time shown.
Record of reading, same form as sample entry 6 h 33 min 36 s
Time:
5 h 19 min 51 s
